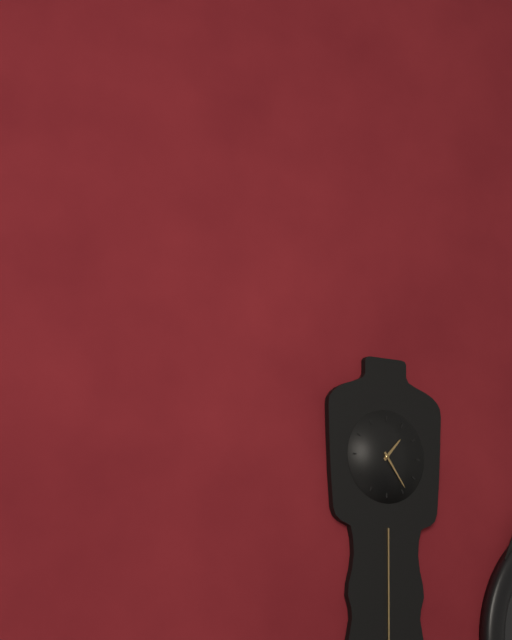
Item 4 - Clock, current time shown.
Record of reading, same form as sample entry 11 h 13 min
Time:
1 h 24 min
